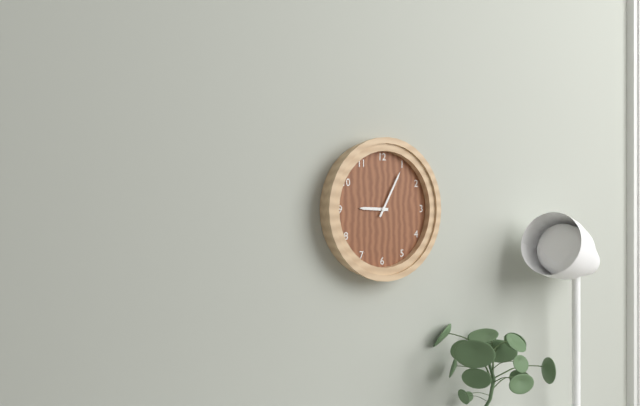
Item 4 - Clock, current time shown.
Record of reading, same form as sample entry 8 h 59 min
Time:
9 h 05 min
